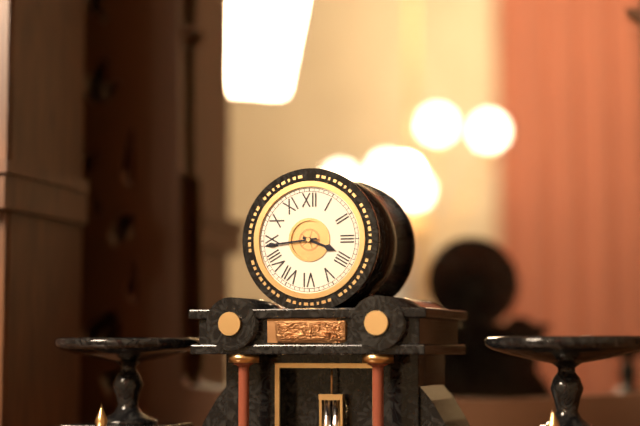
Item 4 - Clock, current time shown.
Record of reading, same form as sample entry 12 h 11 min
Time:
3 h 44 min
